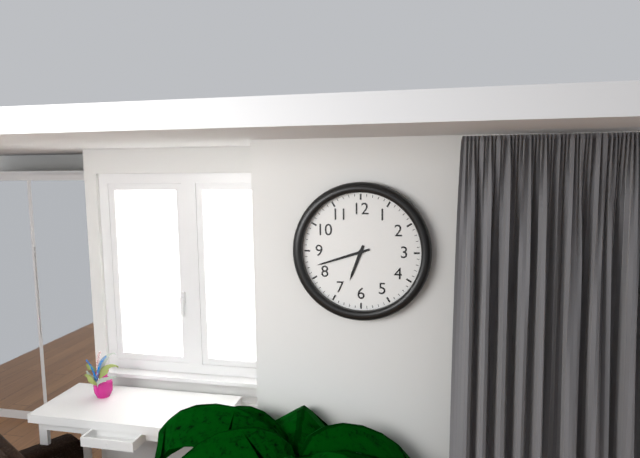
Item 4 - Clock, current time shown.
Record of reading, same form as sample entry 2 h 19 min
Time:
6 h 42 min
